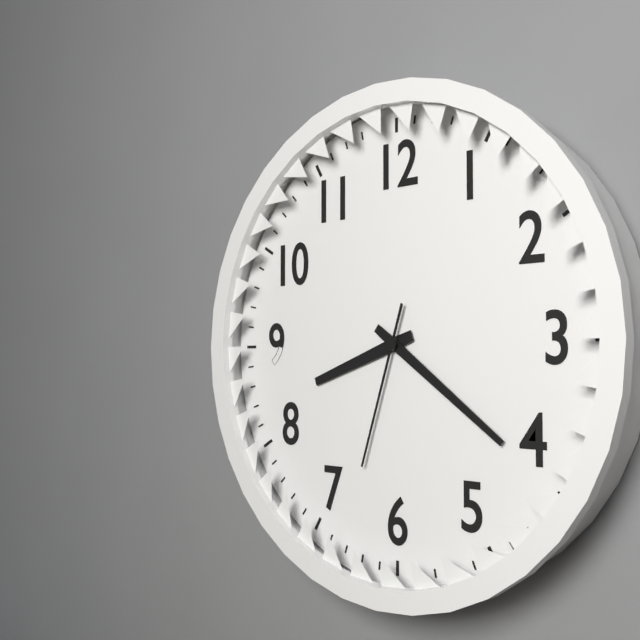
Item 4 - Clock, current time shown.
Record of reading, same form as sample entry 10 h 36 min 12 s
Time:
8 h 21 min 33 s
